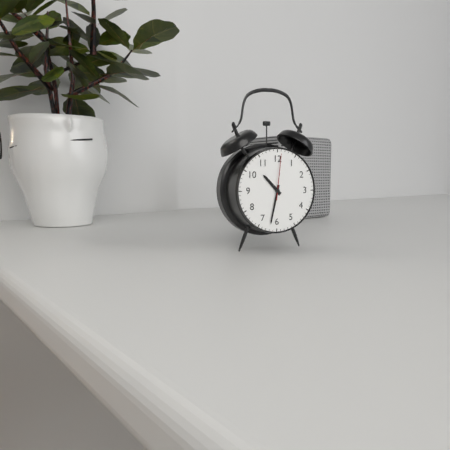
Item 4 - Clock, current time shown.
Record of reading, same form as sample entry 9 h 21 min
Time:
10 h 32 min
